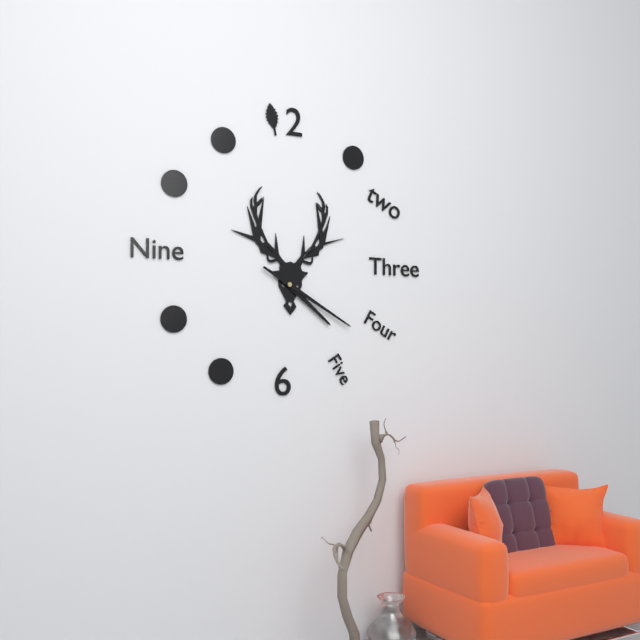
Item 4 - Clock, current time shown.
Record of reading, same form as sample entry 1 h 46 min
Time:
4 h 20 min
